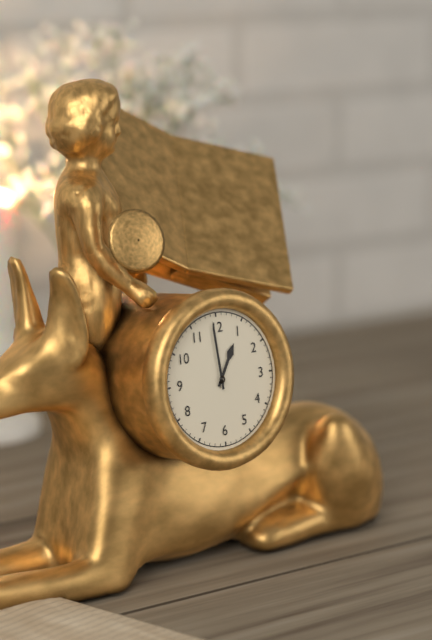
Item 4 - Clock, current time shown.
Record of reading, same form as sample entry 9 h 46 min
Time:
12 h 59 min
